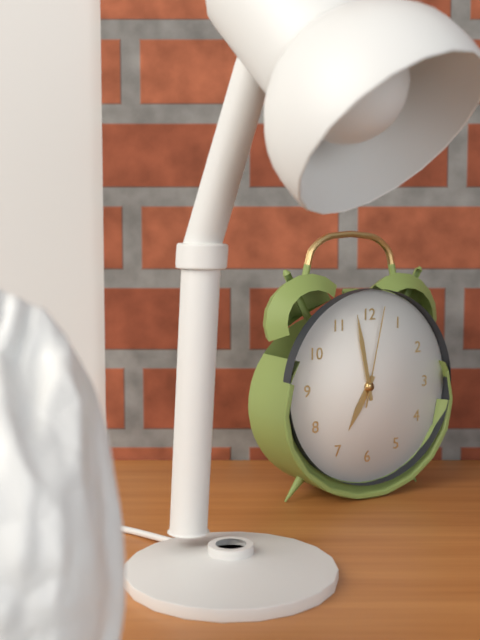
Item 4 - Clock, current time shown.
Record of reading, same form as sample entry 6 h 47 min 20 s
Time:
6 h 58 min 02 s
